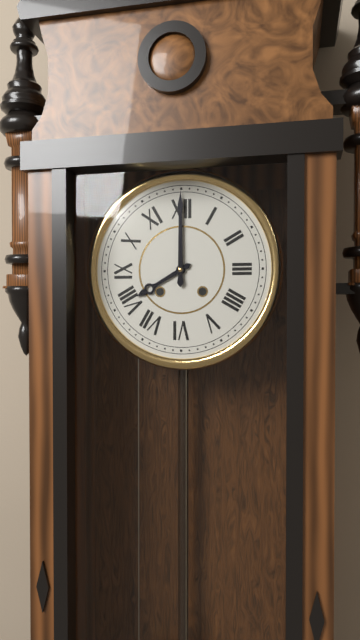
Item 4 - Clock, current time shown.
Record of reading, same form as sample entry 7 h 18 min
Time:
8 h 00 min
